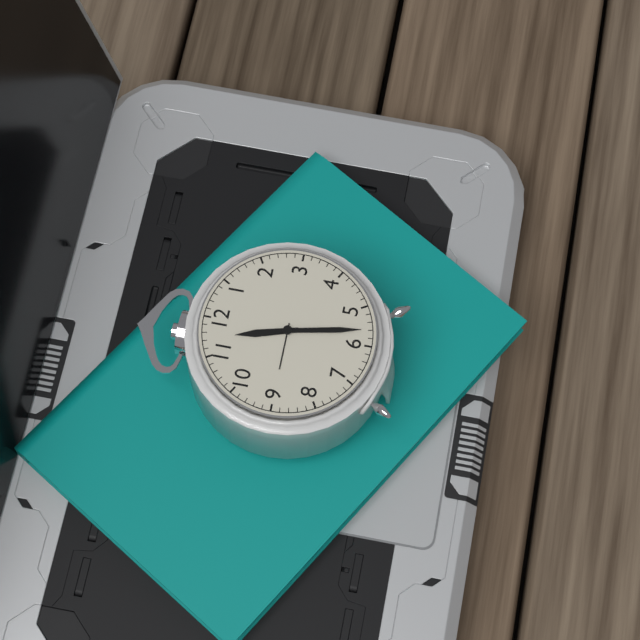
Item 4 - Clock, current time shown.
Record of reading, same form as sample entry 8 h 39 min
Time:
11 h 28 min
